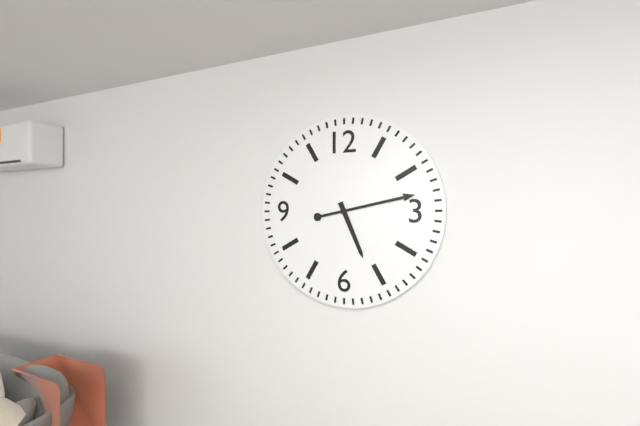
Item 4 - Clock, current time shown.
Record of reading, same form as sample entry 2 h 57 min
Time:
5 h 13 min
